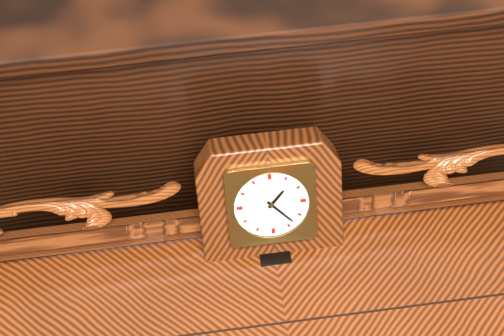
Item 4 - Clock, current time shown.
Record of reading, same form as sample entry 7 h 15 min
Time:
1 h 23 min
